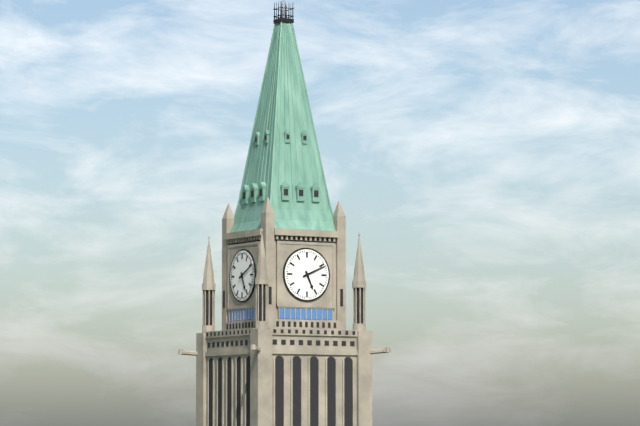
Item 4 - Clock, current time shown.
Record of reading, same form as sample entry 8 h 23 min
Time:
5 h 11 min
